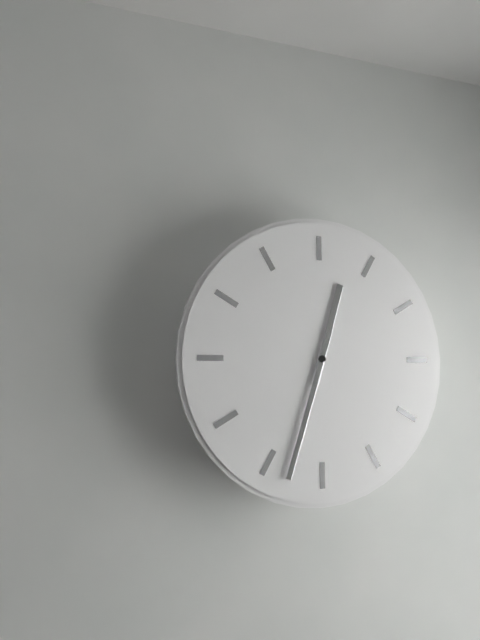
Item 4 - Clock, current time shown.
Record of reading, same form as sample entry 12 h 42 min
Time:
12 h 33 min
